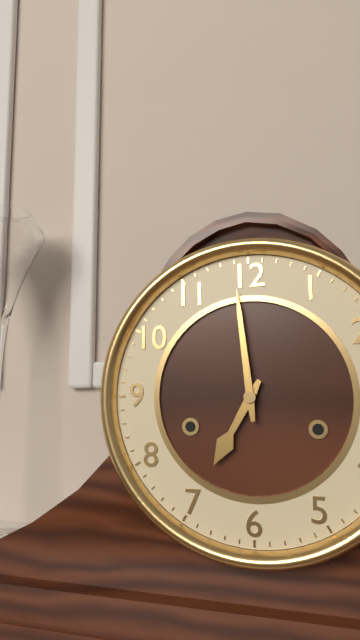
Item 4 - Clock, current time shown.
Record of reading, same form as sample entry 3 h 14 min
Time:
6 h 59 min
